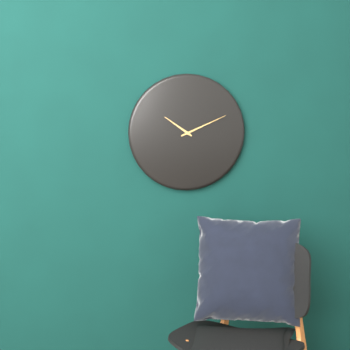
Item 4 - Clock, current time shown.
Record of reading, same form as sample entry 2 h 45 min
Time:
10 h 11 min
